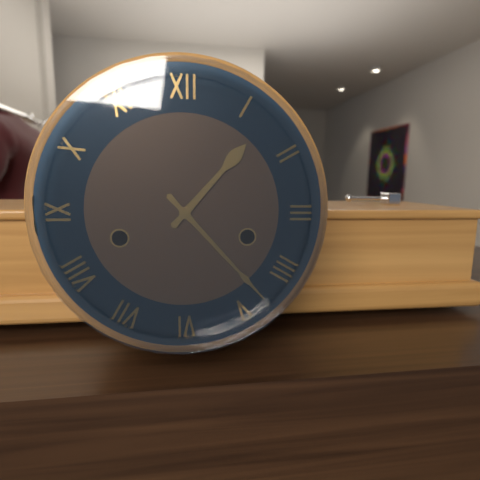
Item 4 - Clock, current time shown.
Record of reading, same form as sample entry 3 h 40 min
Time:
1 h 23 min
